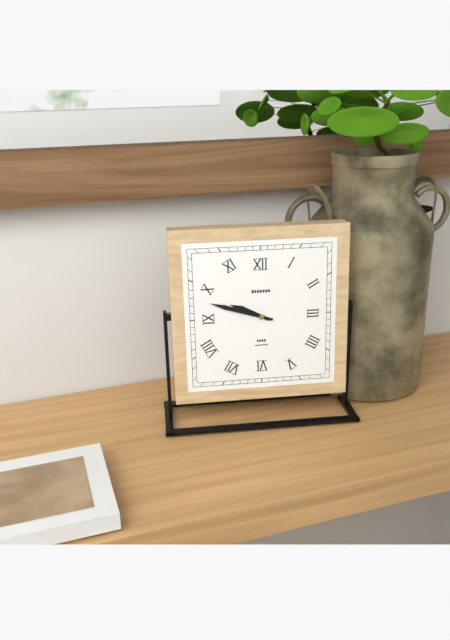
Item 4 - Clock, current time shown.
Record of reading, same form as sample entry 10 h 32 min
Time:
9 h 48 min
